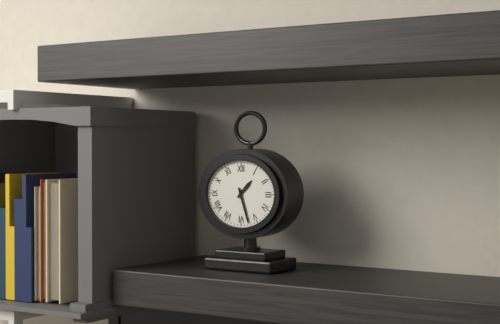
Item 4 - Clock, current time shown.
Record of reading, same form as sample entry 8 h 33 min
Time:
1 h 27 min
